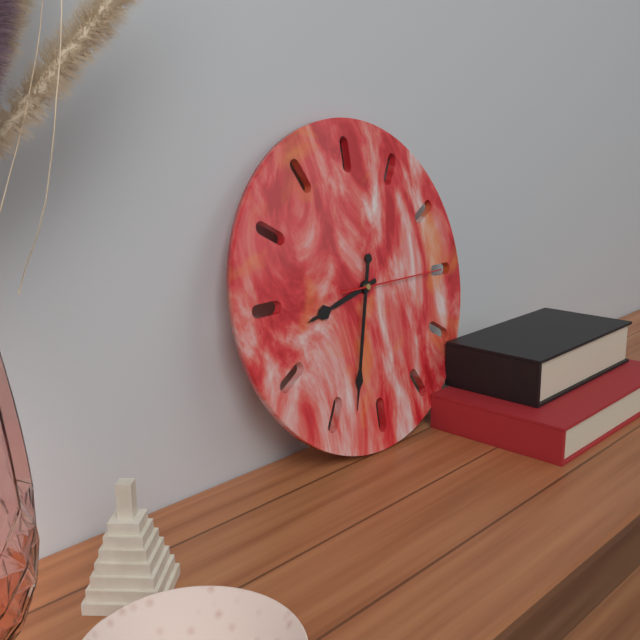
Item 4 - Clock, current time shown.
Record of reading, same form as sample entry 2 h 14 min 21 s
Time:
8 h 33 min 15 s
